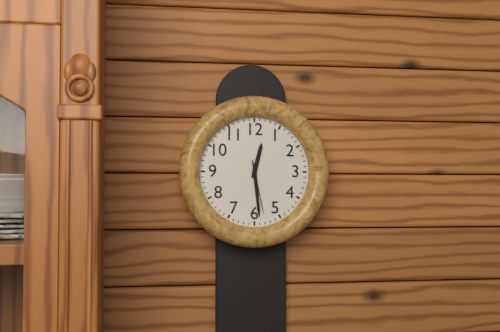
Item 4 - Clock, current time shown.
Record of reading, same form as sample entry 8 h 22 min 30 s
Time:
12 h 29 min 28 s
